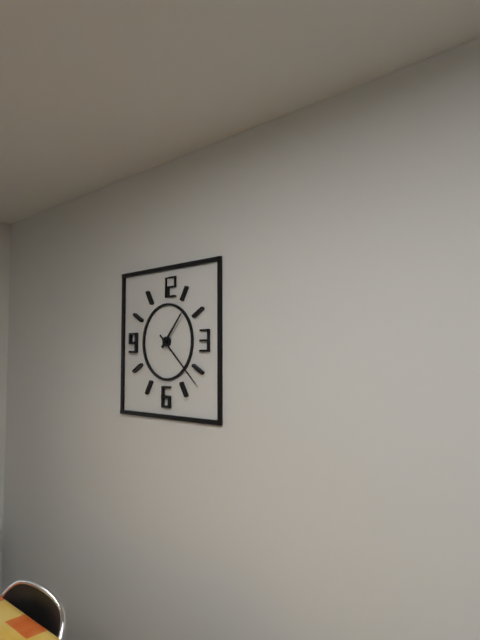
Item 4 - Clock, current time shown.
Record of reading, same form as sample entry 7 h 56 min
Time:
1 h 22 min
